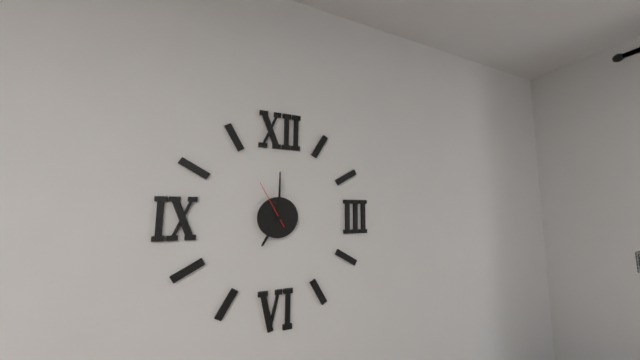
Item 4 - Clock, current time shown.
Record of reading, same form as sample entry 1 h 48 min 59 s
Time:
7 h 00 min 55 s
